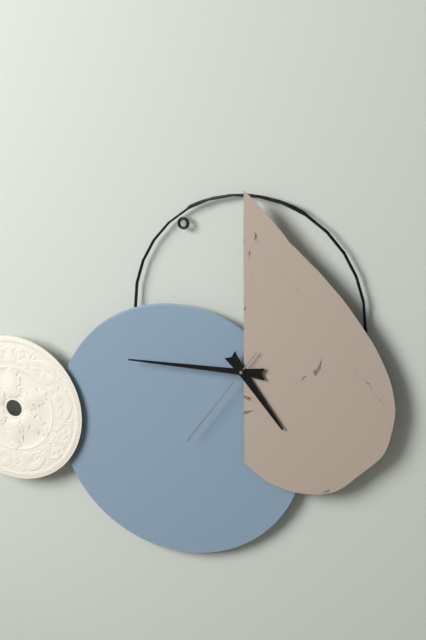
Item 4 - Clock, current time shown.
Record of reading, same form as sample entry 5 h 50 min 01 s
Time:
4 h 45 min 36 s
